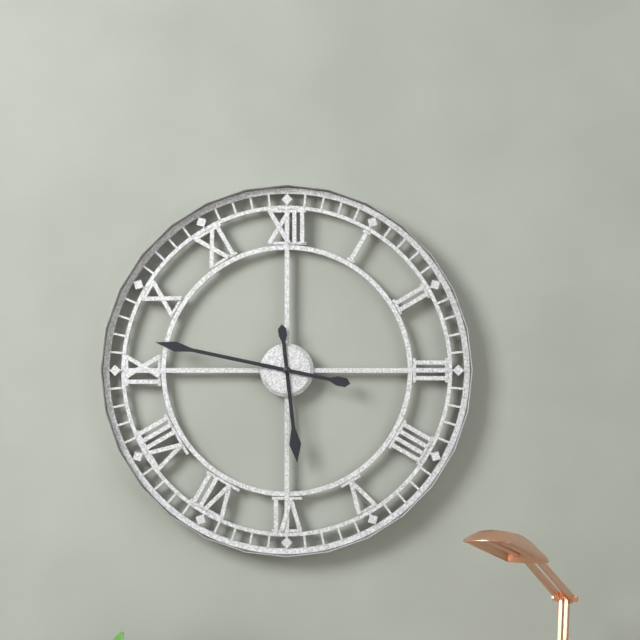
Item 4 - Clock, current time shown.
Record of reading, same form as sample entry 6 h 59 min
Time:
5 h 47 min
